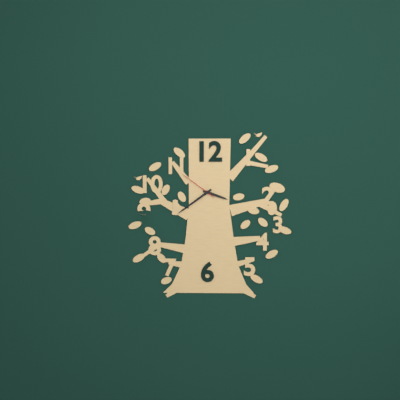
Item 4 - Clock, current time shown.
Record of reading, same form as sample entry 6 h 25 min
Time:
3 h 39 min
